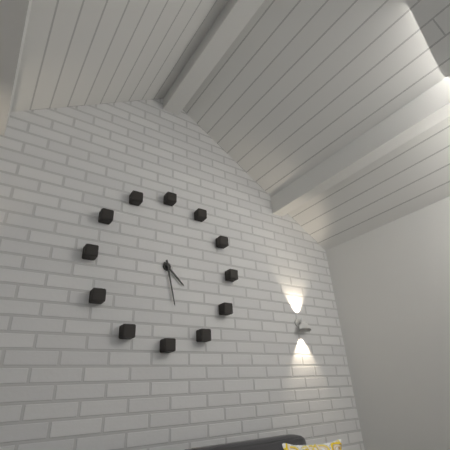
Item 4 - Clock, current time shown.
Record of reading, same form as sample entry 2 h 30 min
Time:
4 h 28 min
